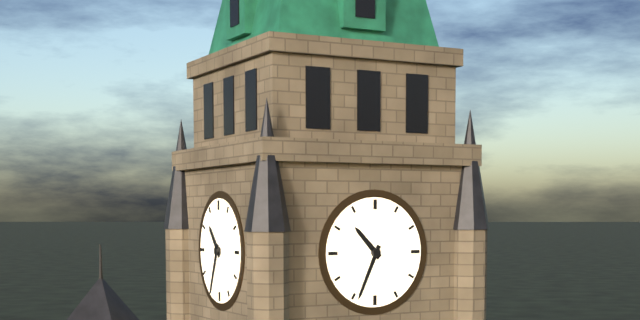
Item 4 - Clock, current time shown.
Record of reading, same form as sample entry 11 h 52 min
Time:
10 h 34 min
